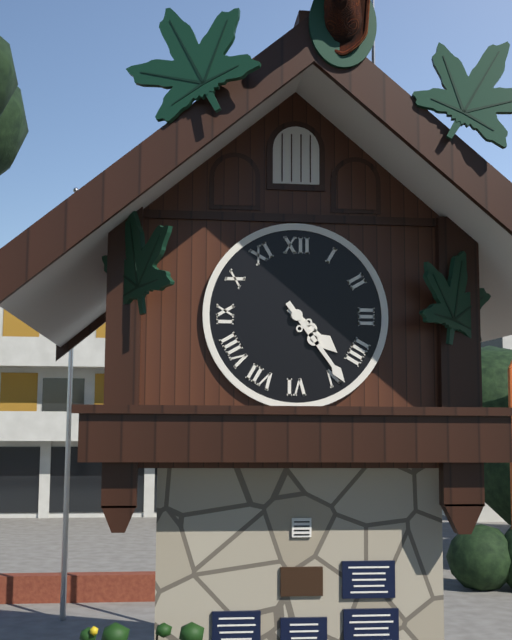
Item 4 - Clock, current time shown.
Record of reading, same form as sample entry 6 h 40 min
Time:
4 h 24 min
